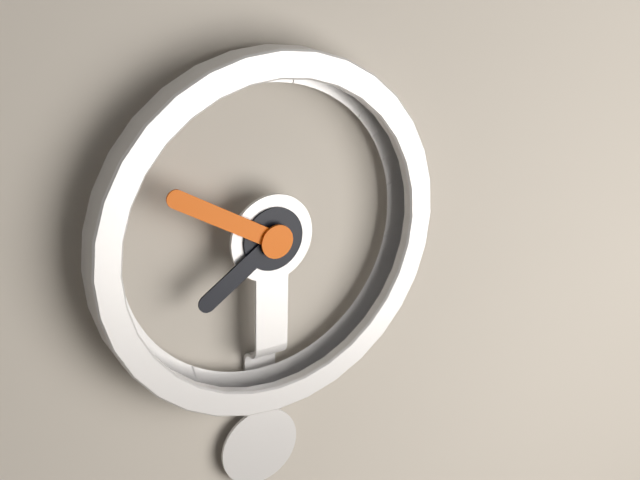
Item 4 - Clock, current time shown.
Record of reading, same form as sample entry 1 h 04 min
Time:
7 h 50 min
